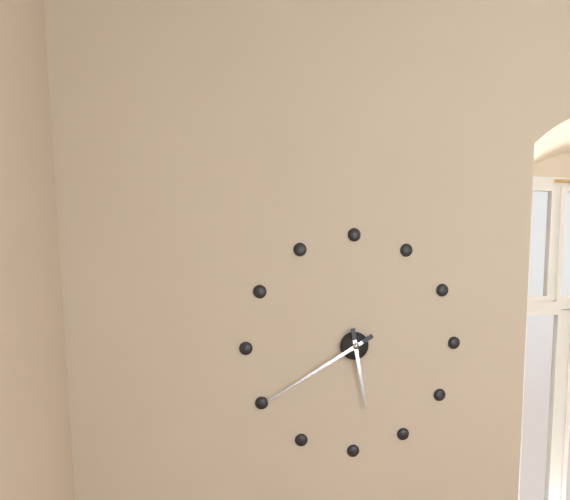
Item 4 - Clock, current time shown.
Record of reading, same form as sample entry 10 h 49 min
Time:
5 h 40 min
